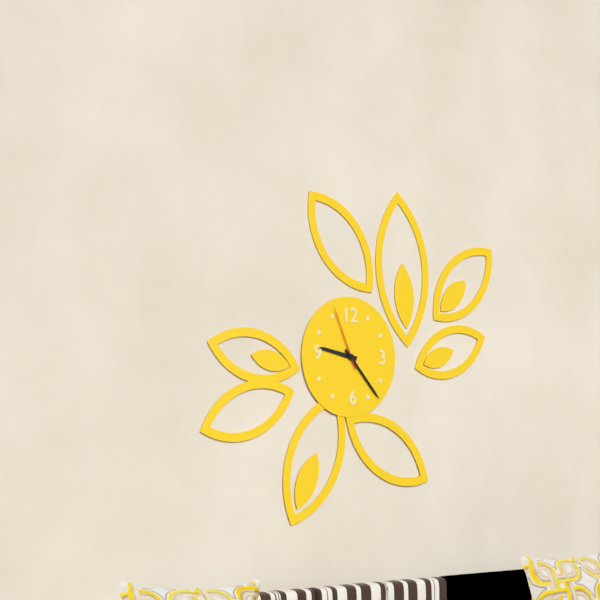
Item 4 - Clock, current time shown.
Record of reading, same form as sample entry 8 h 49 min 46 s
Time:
9 h 23 min 56 s
